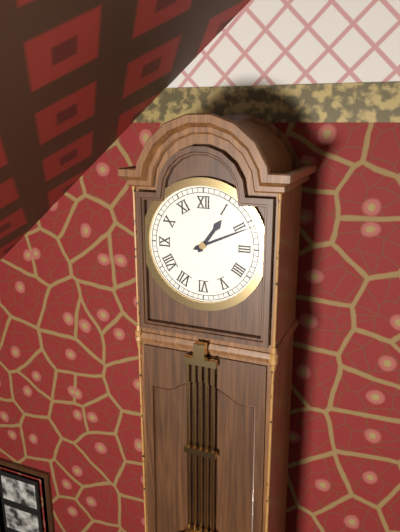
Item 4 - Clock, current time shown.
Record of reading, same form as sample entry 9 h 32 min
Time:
1 h 11 min
